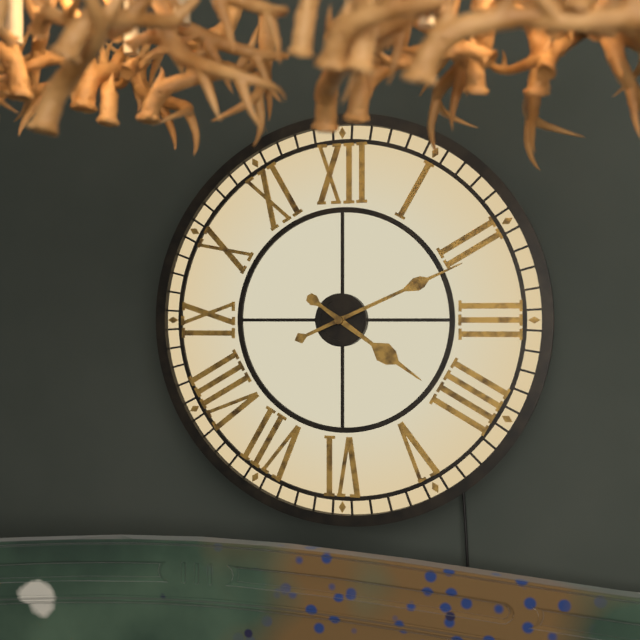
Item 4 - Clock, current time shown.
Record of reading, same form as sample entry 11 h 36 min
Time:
4 h 11 min
